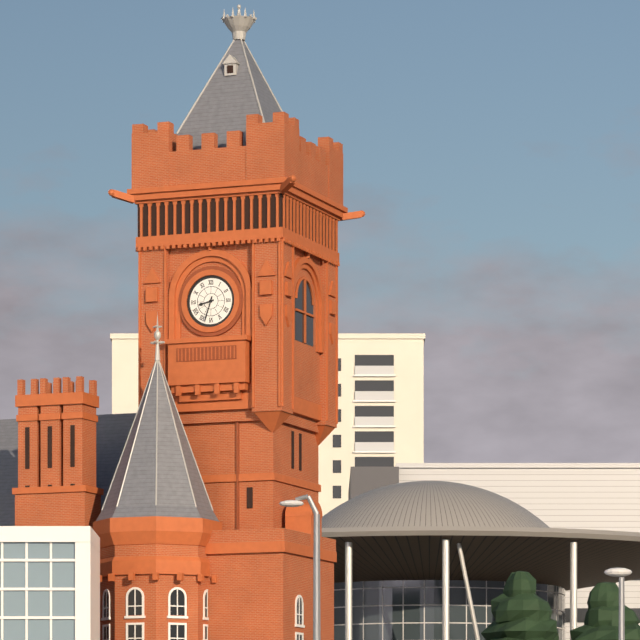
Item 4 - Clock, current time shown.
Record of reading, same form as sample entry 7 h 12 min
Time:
8 h 33 min
